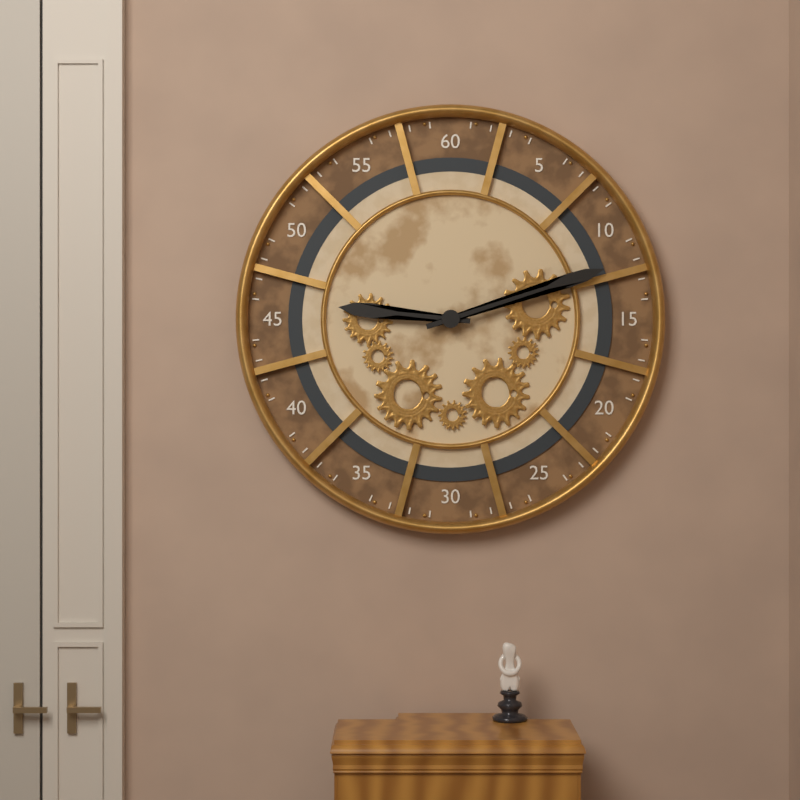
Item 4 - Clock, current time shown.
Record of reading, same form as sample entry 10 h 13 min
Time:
9 h 12 min
